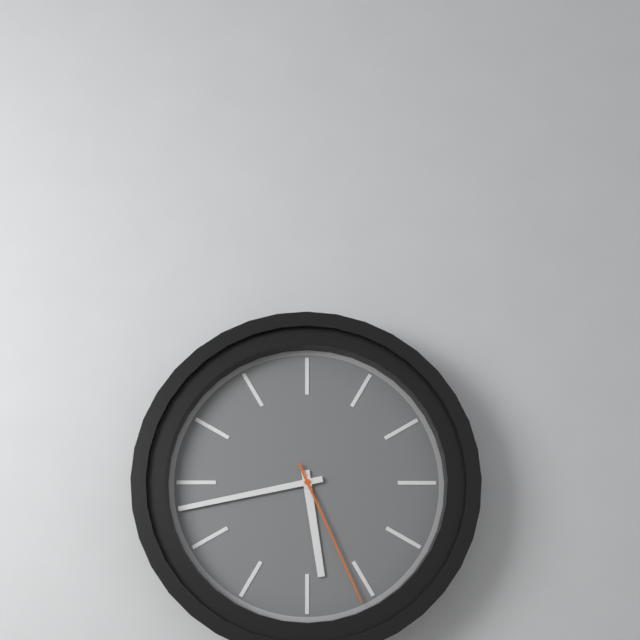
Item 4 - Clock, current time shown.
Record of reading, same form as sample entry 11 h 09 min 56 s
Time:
5 h 43 min 26 s
